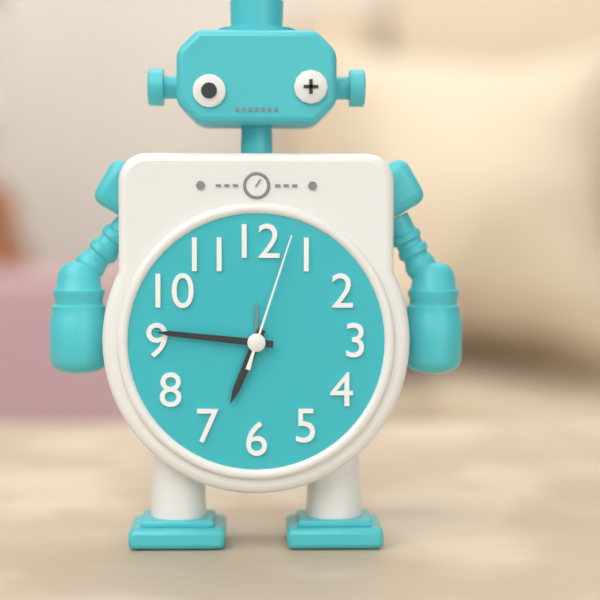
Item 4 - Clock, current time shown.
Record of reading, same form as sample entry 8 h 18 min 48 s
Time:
6 h 46 min 03 s
